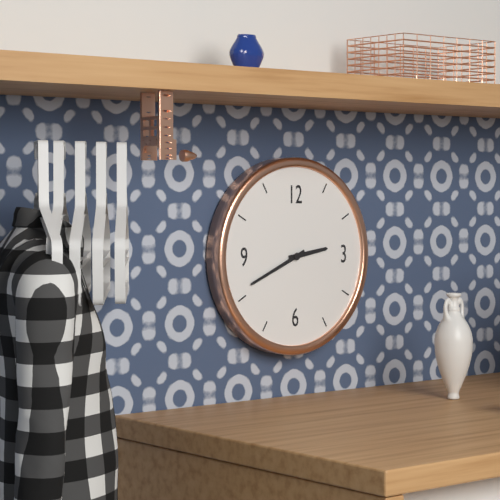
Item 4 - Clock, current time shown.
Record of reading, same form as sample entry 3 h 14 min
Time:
2 h 41 min
